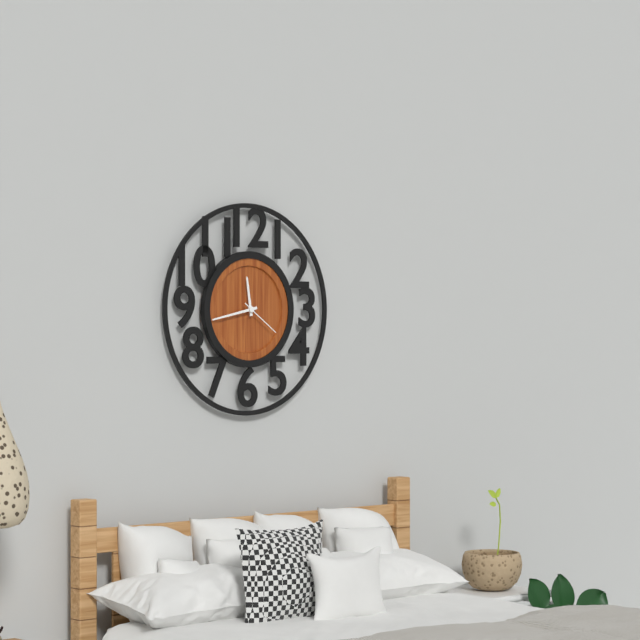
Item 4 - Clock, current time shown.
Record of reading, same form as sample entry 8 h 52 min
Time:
11 h 43 min
